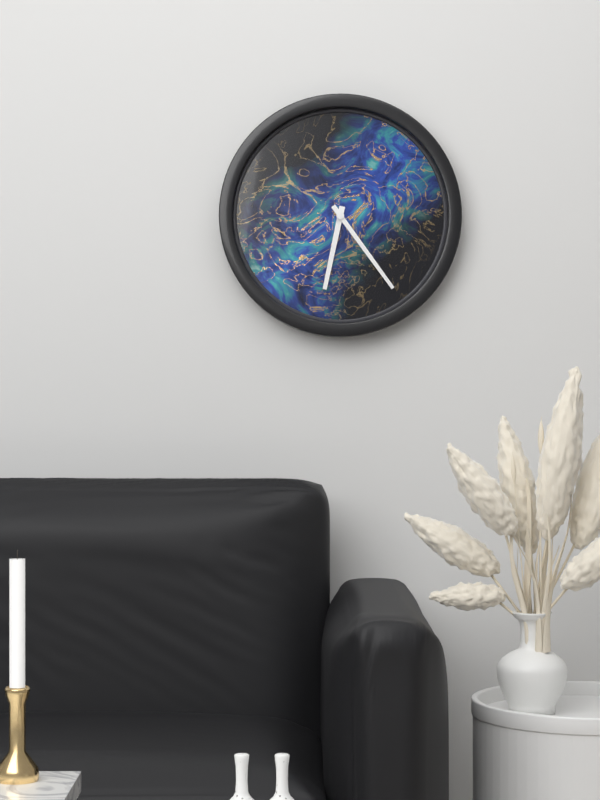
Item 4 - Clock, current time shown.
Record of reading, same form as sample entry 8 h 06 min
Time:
6 h 24 min
